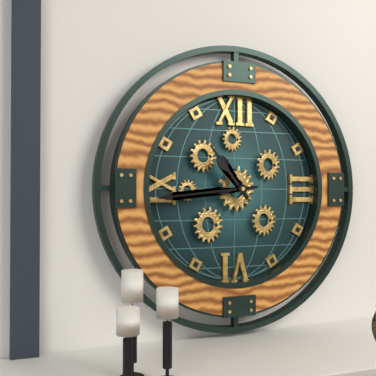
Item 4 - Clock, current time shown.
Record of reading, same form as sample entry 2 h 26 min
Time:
10 h 44 min
